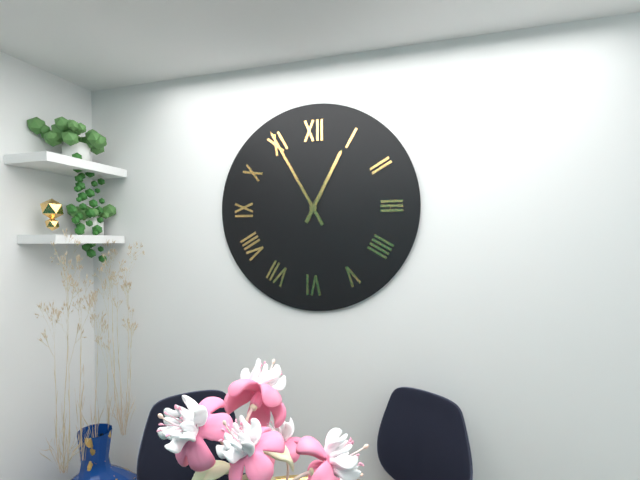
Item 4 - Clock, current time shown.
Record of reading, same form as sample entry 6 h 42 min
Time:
12 h 55 min
